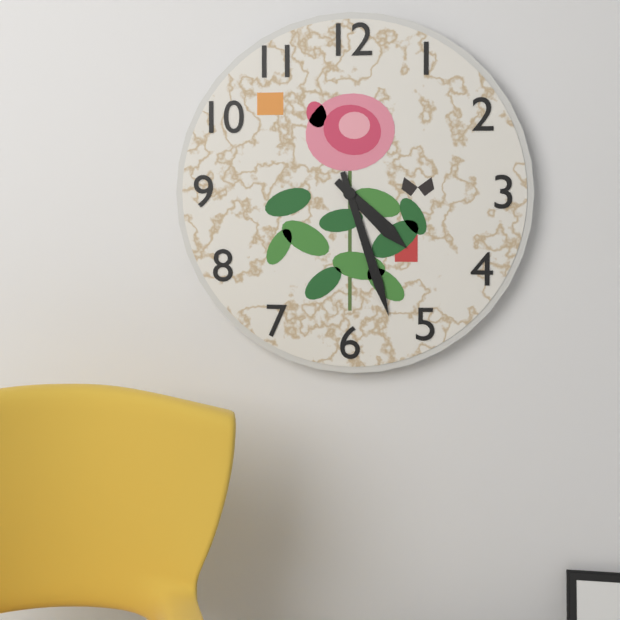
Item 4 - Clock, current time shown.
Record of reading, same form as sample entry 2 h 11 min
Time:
4 h 27 min
